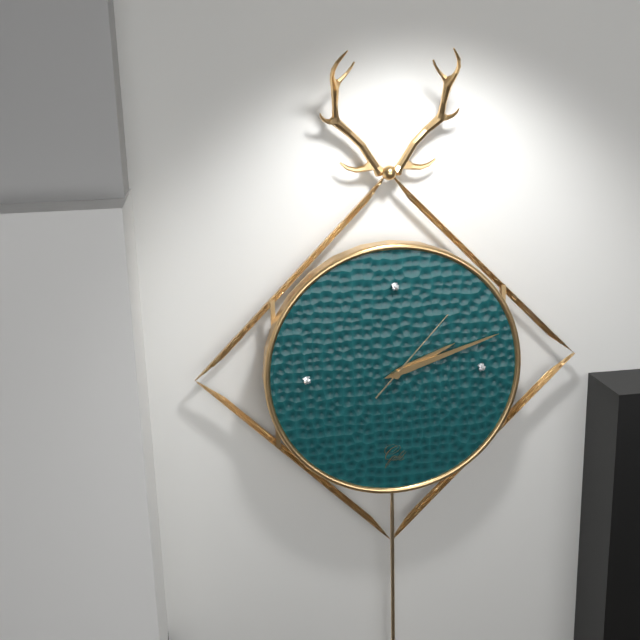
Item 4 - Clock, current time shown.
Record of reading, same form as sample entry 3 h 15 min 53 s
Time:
2 h 12 min 07 s
